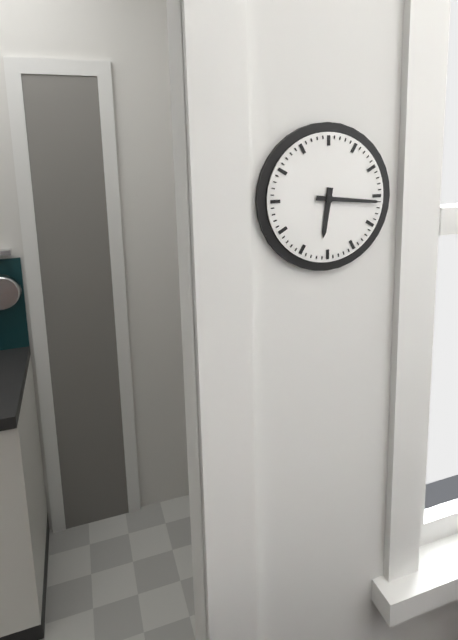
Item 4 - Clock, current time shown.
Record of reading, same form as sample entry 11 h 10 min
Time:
6 h 16 min
